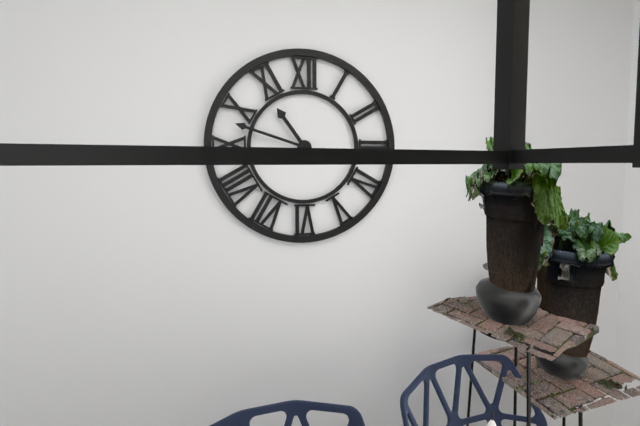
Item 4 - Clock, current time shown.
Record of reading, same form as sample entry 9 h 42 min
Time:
10 h 48 min
